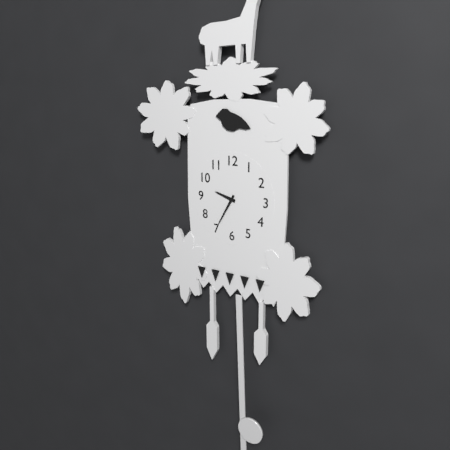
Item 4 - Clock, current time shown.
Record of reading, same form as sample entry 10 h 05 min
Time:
9 h 35 min
